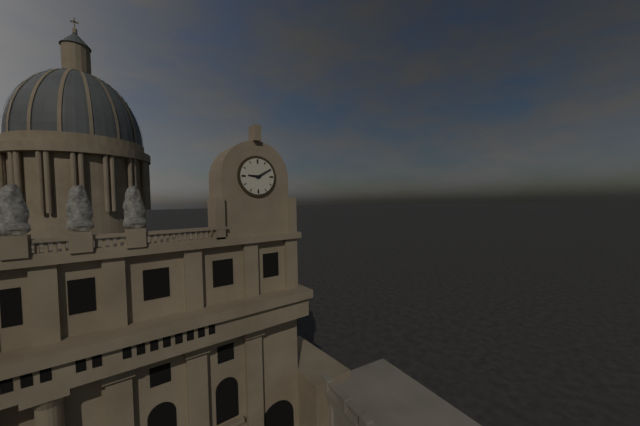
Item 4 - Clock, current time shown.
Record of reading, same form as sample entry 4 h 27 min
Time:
9 h 10 min
